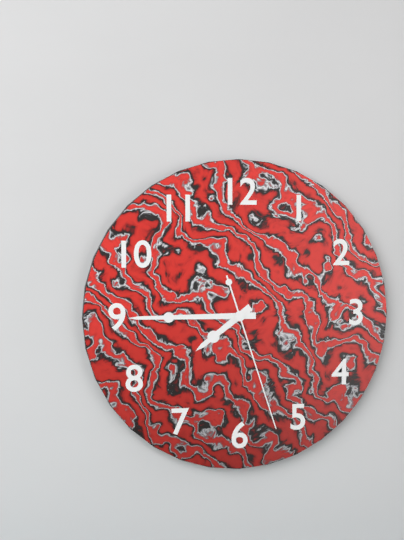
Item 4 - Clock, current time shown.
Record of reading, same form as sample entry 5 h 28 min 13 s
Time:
7 h 45 min 27 s
